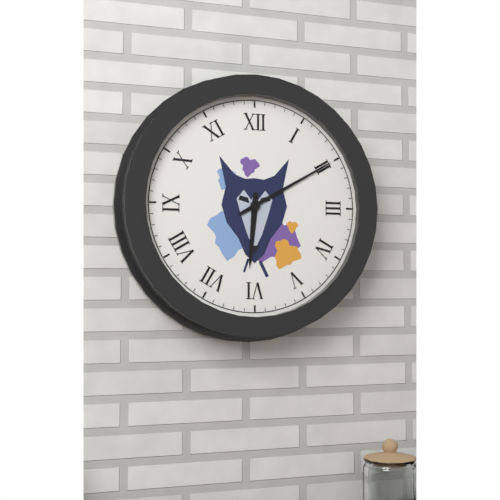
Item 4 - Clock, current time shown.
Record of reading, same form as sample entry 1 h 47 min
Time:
6 h 10 min
